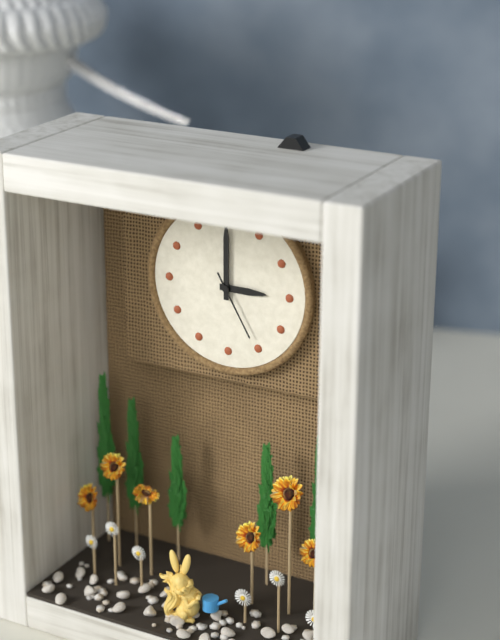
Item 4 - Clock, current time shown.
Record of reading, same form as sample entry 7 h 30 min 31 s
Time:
3 h 00 min 25 s
